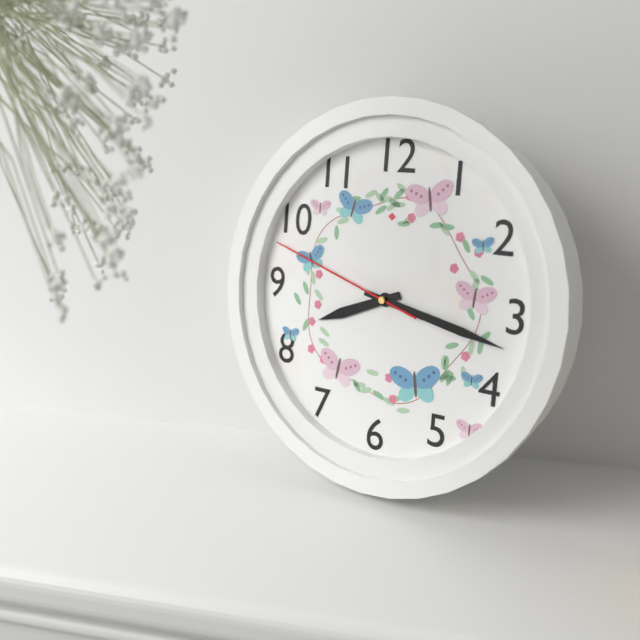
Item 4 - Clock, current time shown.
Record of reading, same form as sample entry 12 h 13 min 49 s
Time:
8 h 17 min 48 s
